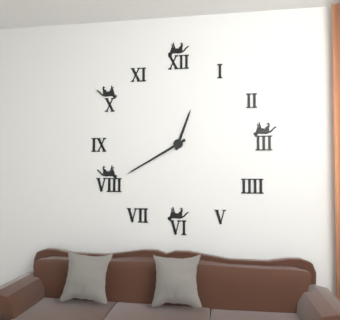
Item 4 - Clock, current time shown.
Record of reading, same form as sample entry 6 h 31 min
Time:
12 h 40 min
